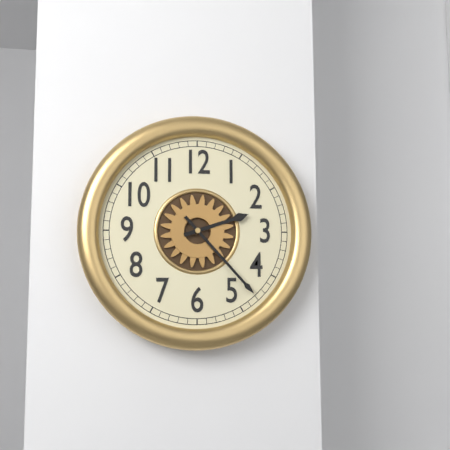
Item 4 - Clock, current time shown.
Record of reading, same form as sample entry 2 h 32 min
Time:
2 h 23 min
